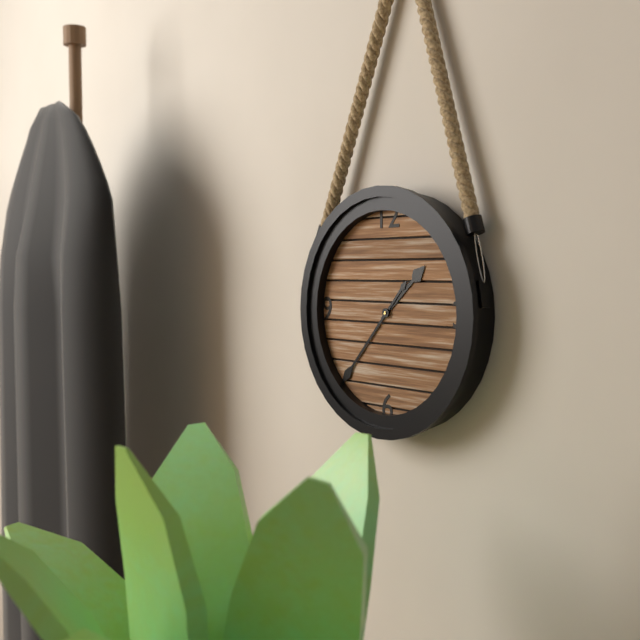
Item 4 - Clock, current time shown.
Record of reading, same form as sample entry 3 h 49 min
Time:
1 h 37 min
